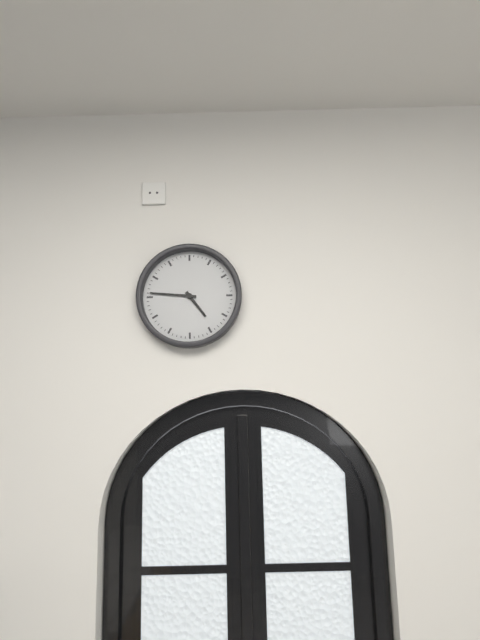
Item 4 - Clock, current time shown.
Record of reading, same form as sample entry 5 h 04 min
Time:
4 h 46 min
